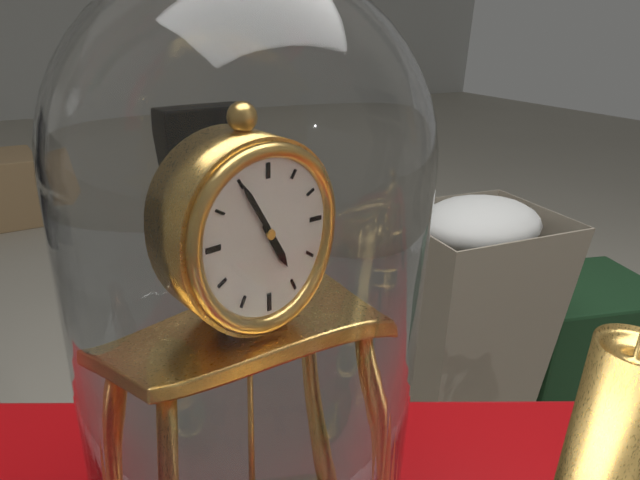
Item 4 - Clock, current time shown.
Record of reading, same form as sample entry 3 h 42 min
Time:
4 h 55 min
